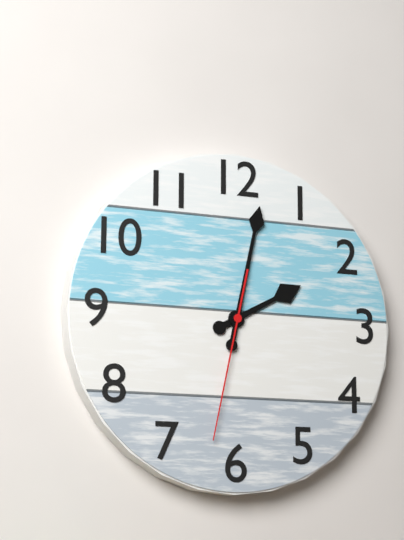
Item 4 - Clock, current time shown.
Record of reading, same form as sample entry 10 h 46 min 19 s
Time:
2 h 02 min 32 s
